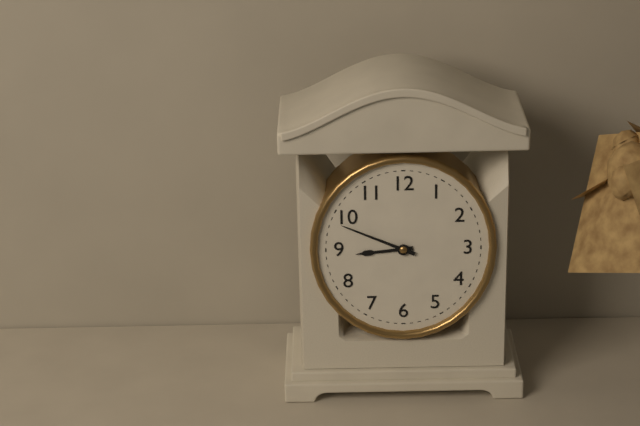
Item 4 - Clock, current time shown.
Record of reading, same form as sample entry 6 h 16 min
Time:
8 h 49 min
